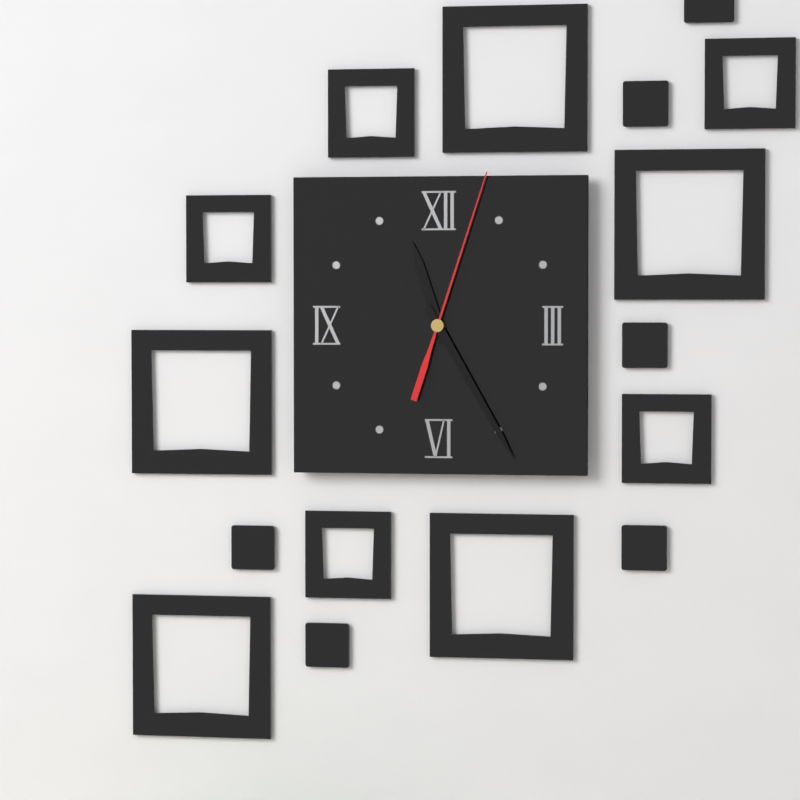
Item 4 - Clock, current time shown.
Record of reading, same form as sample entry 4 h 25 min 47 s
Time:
11 h 25 min 03 s
